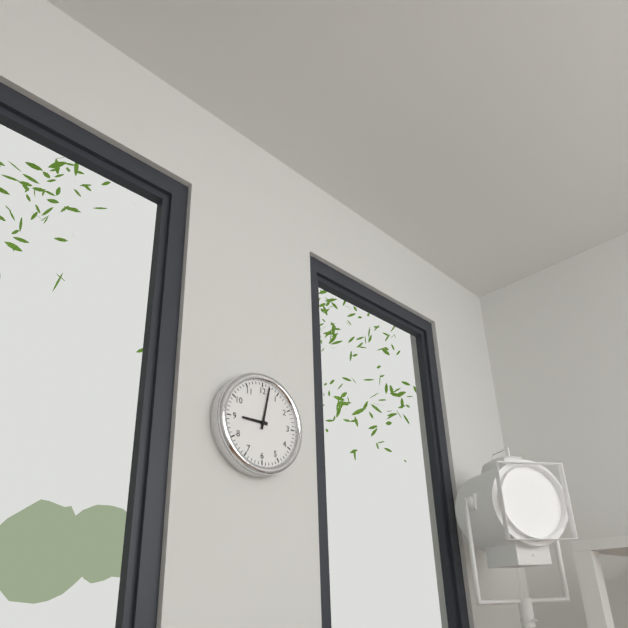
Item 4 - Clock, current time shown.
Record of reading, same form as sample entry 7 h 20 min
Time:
9 h 02 min
